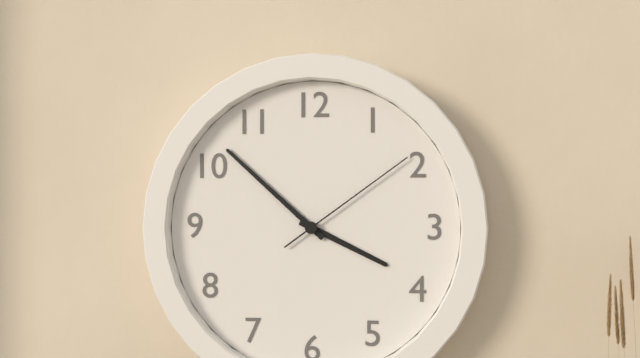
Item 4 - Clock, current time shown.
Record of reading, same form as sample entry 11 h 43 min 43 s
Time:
3 h 52 min 09 s
